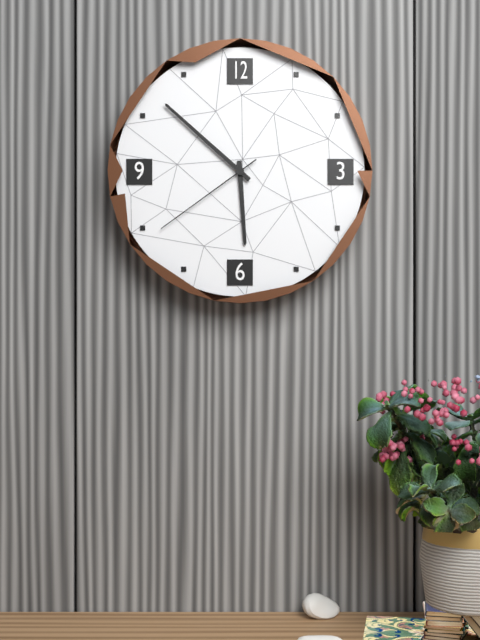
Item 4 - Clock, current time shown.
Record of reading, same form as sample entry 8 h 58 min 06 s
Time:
5 h 52 min 39 s
